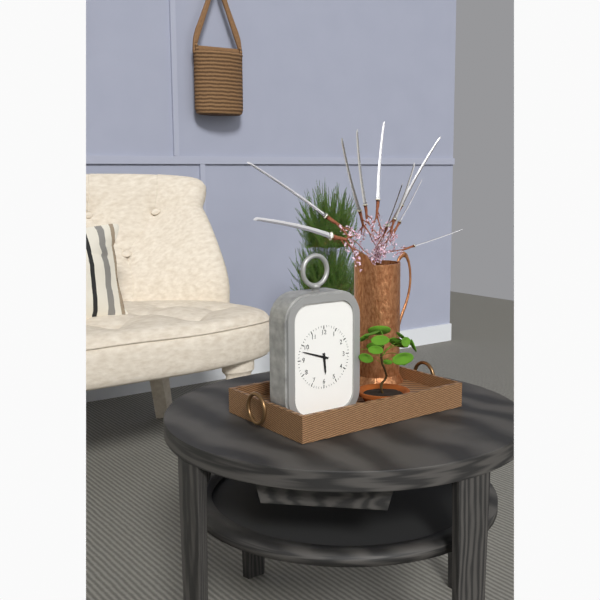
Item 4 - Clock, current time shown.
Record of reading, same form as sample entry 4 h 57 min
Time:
5 h 48 min
